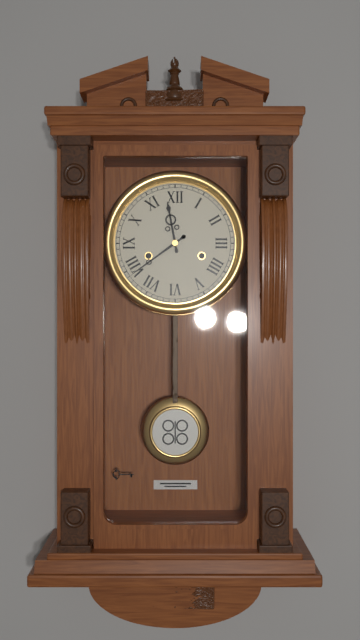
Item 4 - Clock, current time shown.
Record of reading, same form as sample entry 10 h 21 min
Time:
11 h 39 min
